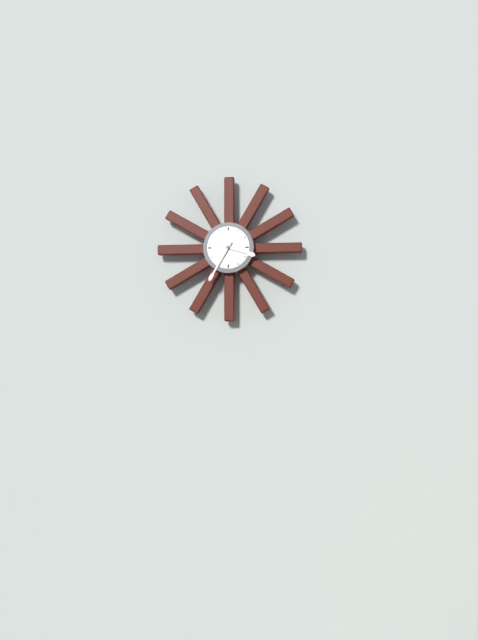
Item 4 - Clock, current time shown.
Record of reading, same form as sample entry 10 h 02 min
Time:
3 h 35 min
